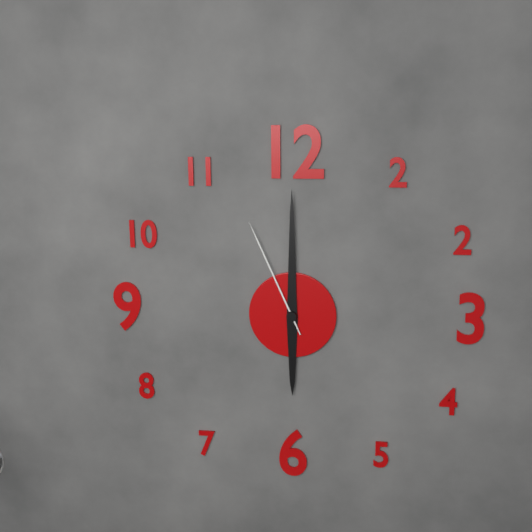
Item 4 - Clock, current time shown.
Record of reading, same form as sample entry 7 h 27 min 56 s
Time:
6 h 00 min 56 s
